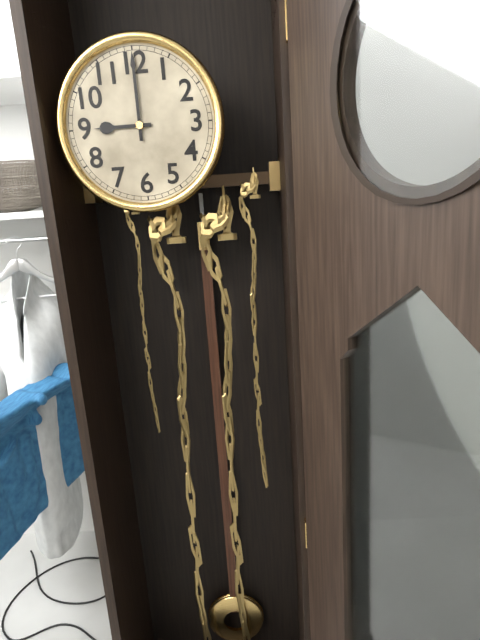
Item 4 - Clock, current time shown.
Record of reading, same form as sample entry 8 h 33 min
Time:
9 h 00 min
